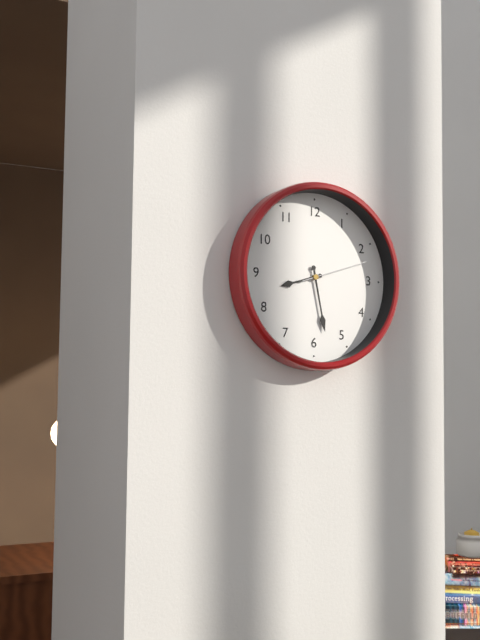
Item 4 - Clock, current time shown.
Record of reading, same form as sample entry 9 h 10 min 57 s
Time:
8 h 28 min 12 s
